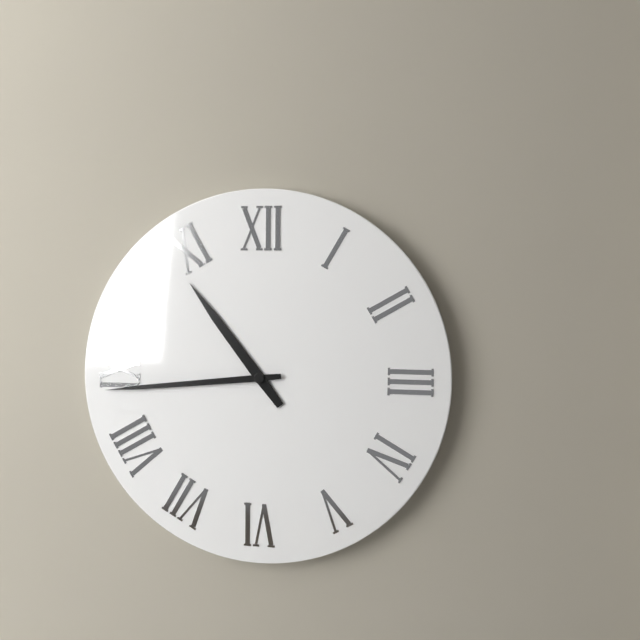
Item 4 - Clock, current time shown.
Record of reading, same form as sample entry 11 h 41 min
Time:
10 h 44 min
